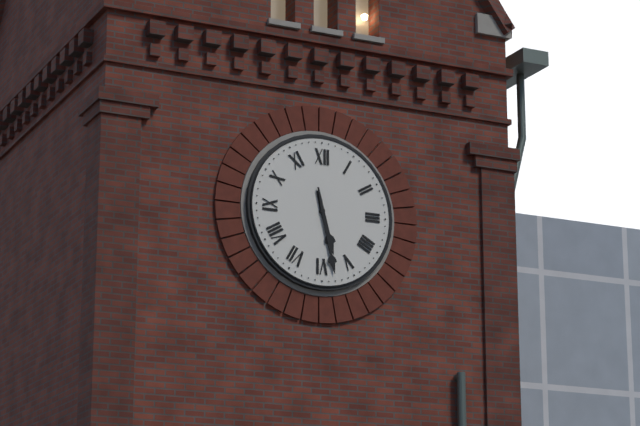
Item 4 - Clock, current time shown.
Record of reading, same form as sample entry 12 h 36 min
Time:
5 h 28 min
